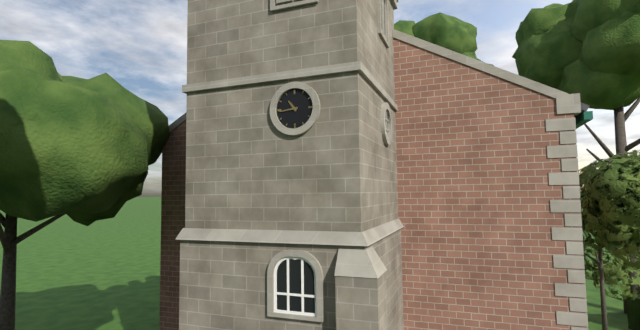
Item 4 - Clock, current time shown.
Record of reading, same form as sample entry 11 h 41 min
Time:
10 h 44 min
